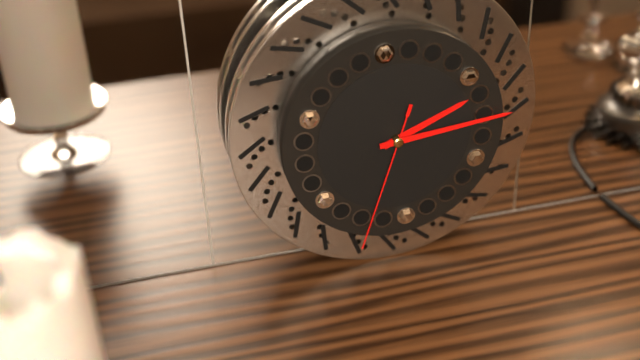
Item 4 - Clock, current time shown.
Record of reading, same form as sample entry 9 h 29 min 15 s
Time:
2 h 14 min 33 s
